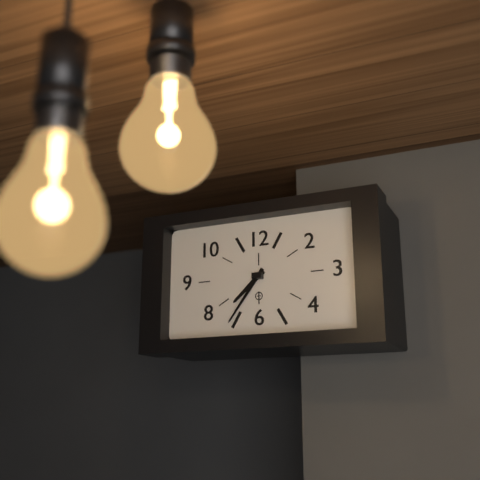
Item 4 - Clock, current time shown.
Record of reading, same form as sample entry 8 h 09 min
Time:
7 h 36 min
